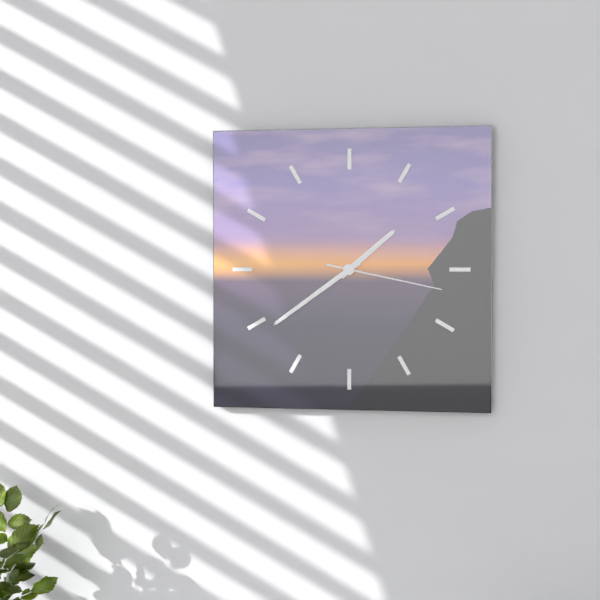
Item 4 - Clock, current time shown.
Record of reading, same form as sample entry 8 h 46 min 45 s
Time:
1 h 39 min 17 s
